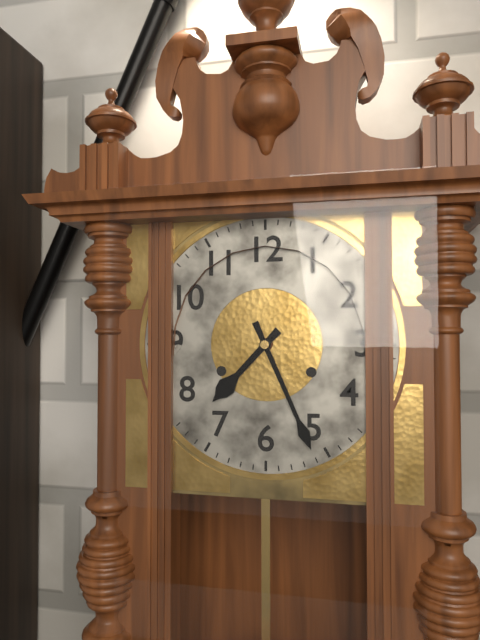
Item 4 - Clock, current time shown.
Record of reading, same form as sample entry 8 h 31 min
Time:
7 h 26 min
